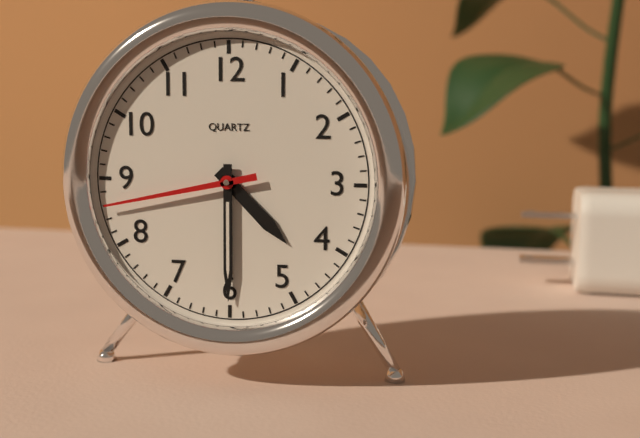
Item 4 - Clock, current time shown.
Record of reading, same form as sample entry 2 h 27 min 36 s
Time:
4 h 30 min 43 s
